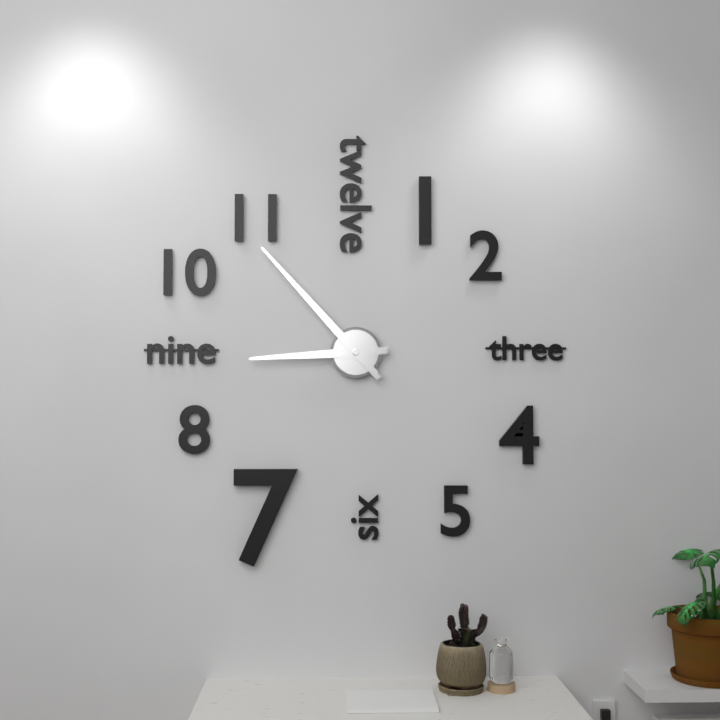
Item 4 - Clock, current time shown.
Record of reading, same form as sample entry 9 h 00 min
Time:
8 h 53 min
